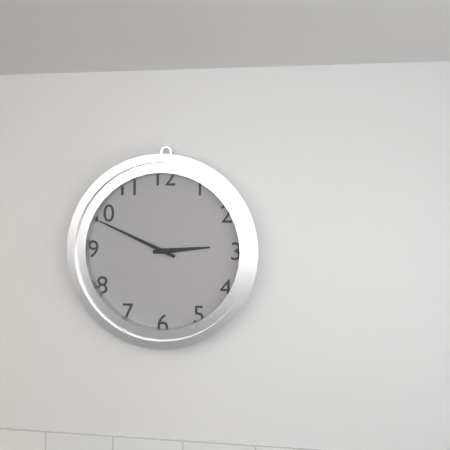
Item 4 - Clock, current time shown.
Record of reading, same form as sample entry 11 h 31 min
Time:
2 h 49 min
